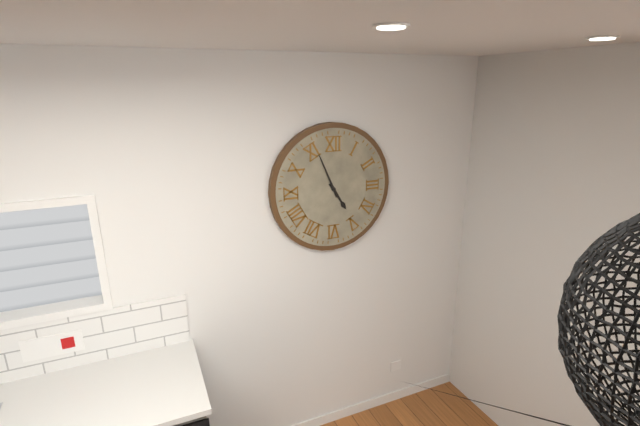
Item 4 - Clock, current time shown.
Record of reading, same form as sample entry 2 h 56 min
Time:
4 h 56 min
